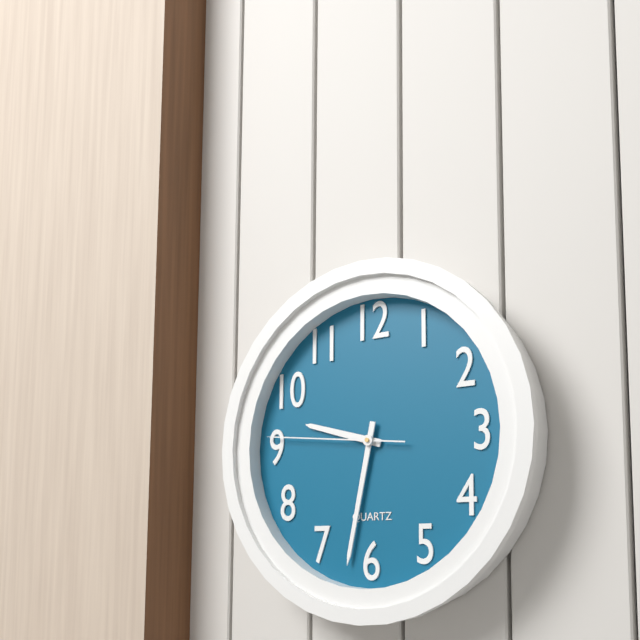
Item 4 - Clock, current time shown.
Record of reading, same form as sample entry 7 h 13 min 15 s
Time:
9 h 32 min 46 s
